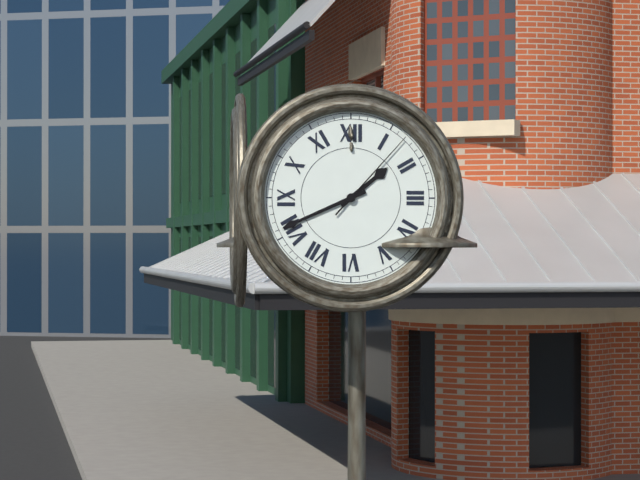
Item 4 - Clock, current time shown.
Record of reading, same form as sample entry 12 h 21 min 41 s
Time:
1 h 41 min 07 s
